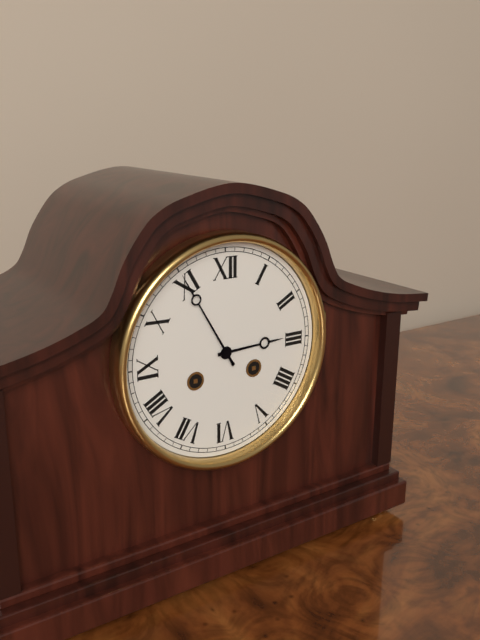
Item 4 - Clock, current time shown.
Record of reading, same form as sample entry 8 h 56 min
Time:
2 h 55 min
